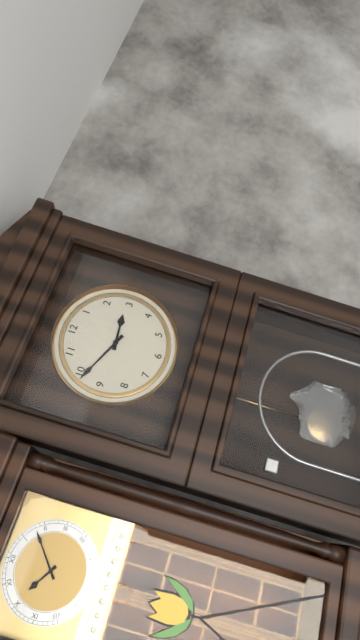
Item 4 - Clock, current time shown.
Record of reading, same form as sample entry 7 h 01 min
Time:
2 h 49 min
